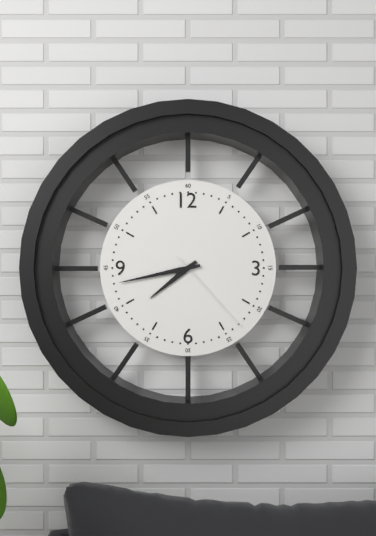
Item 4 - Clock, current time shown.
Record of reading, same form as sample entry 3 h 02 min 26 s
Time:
7 h 43 min 23 s
